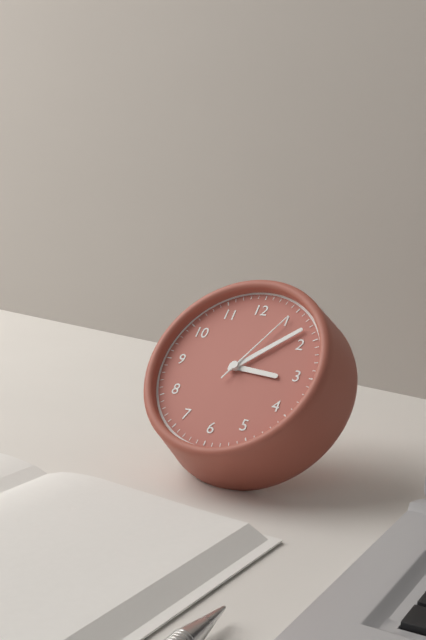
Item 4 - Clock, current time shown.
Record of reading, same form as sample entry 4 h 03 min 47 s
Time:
3 h 08 min 05 s
